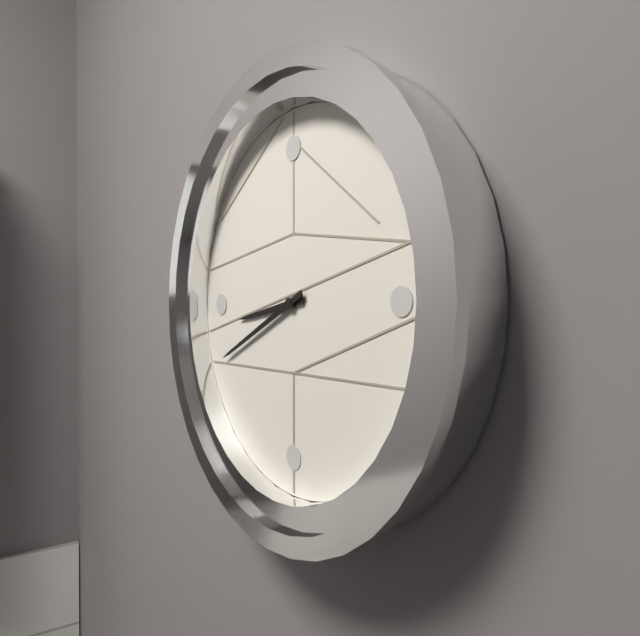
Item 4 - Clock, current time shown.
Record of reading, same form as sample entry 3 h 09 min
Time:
8 h 41 min
